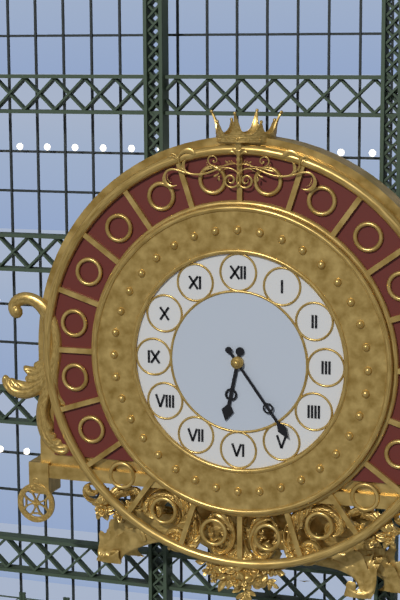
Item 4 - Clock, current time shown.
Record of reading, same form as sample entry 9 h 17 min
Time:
6 h 24 min
